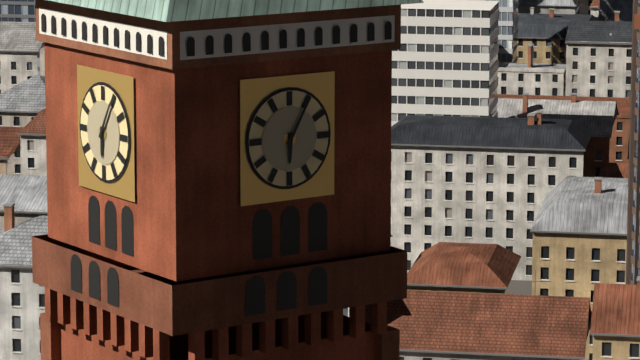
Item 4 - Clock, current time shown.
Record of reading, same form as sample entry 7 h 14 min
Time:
6 h 05 min
